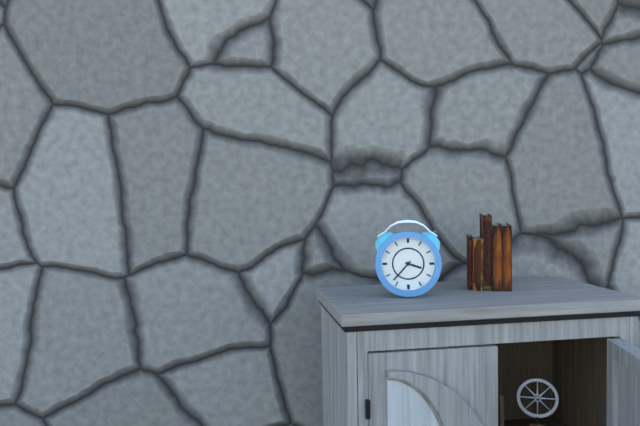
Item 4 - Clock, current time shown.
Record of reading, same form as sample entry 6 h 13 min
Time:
3 h 37 min
